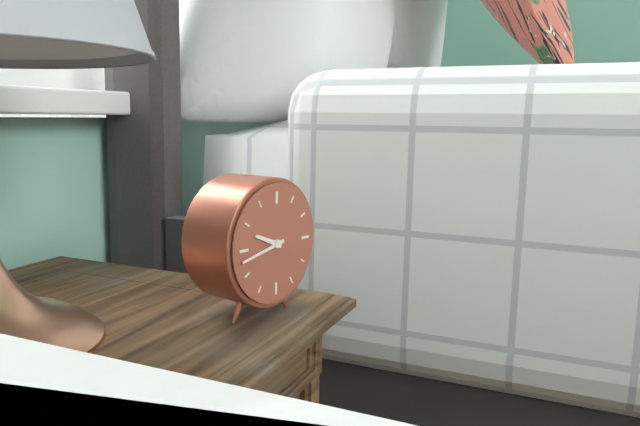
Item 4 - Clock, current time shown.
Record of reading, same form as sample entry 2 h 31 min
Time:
9 h 43 min
